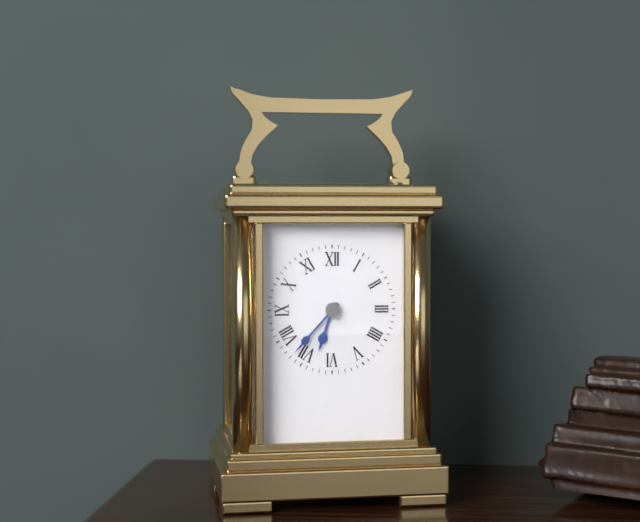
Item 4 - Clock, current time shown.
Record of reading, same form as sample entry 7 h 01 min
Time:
6 h 37 min
